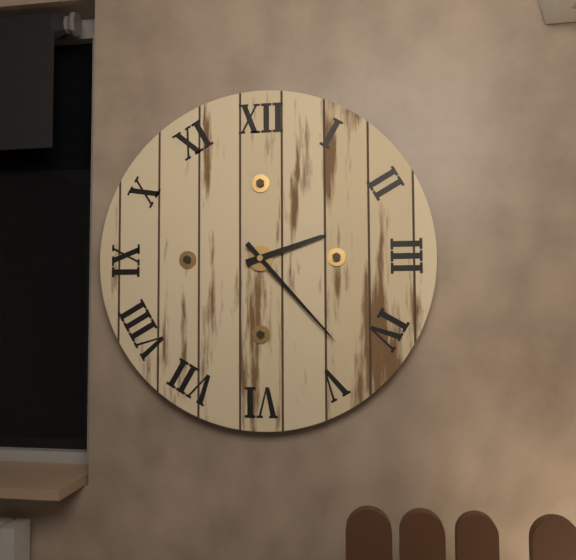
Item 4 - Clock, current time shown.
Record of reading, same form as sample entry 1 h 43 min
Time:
2 h 23 min
